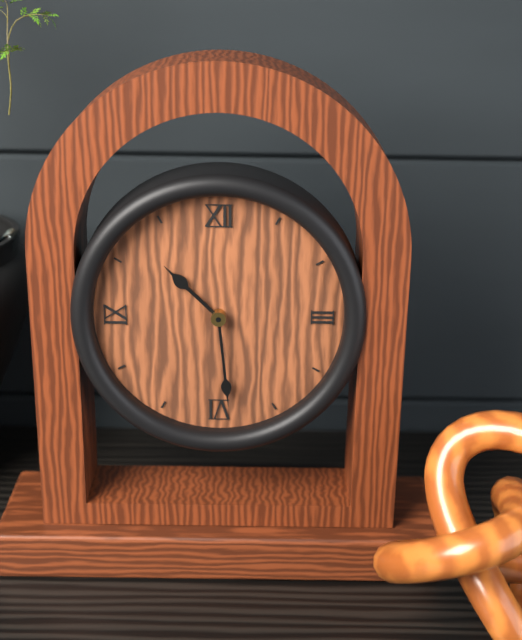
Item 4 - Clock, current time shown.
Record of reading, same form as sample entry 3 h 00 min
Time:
10 h 29 min
